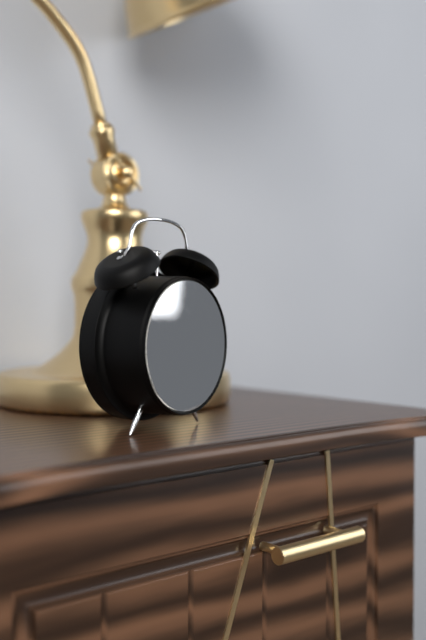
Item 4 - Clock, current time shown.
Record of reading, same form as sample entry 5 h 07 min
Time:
3 h 25 min
